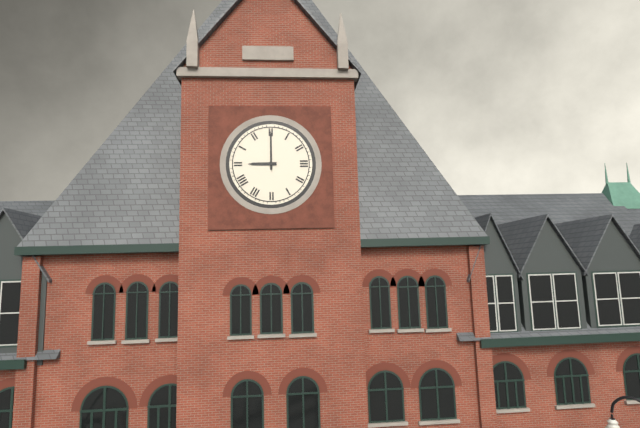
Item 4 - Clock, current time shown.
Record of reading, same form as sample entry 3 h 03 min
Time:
9 h 00 min
